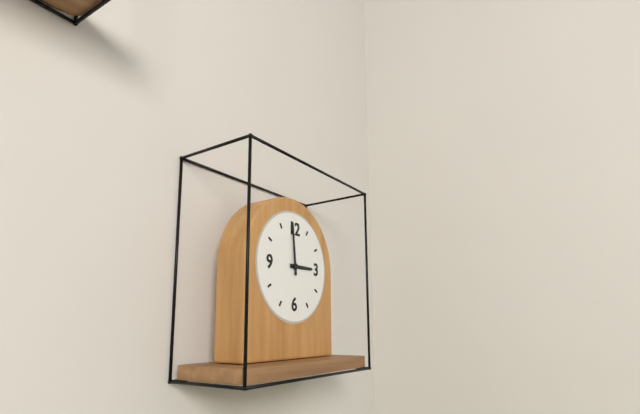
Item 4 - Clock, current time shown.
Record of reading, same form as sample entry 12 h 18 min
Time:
2 h 59 min
